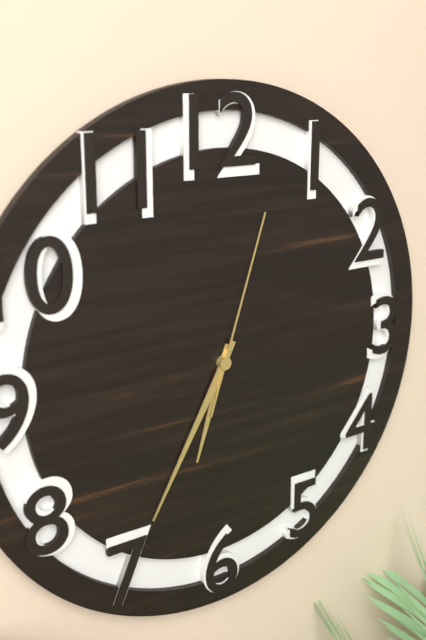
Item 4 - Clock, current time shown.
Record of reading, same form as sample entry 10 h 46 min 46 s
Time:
6 h 35 min 03 s
